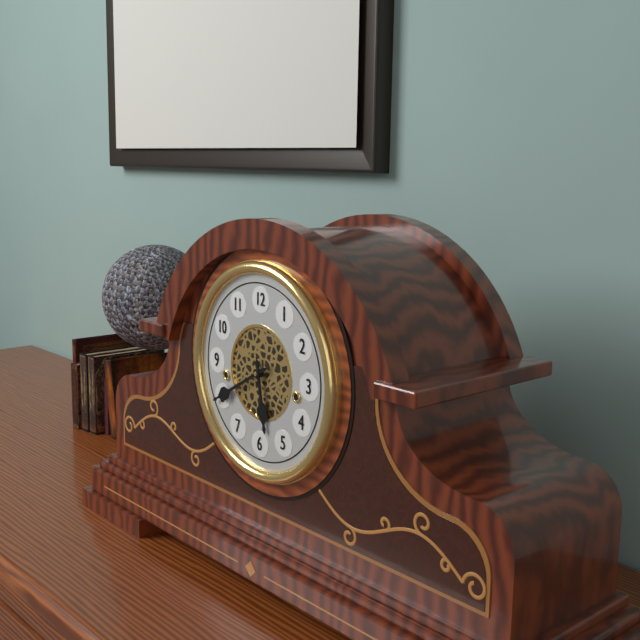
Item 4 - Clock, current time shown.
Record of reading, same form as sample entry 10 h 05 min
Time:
5 h 40 min
